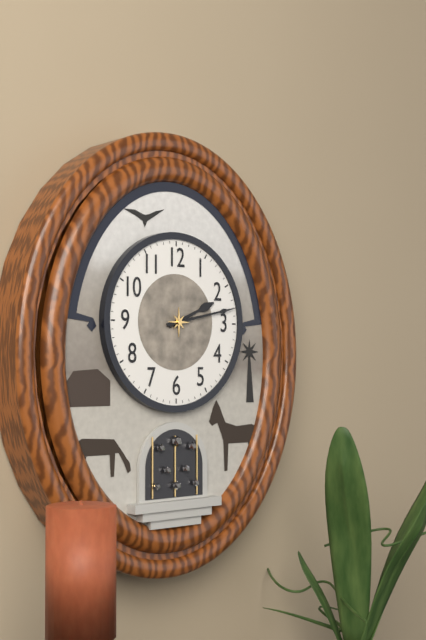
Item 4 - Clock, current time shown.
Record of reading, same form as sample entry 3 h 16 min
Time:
2 h 13 min
